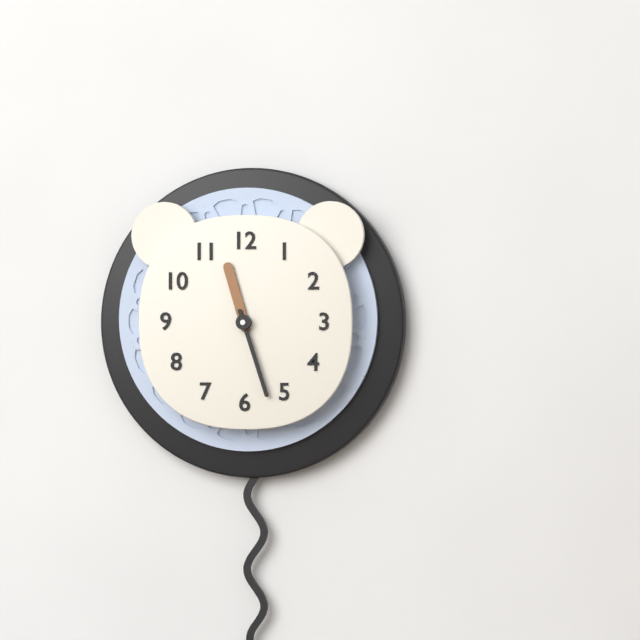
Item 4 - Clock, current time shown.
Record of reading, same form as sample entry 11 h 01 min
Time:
11 h 27 min
